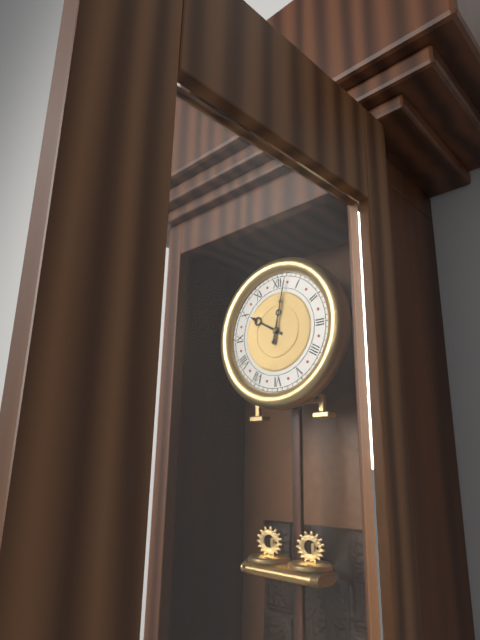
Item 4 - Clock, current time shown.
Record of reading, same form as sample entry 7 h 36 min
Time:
10 h 02 min
